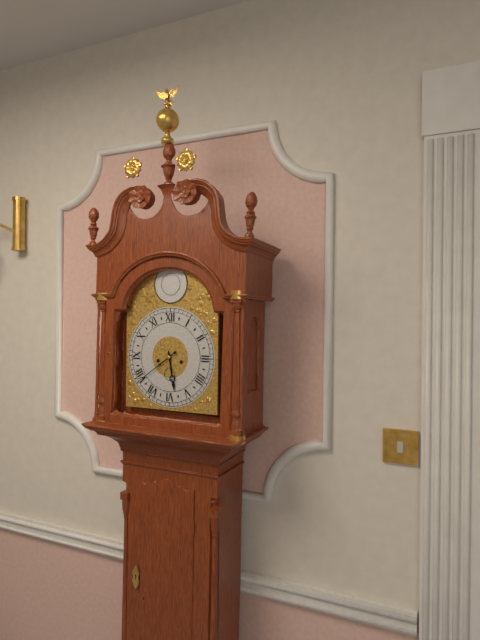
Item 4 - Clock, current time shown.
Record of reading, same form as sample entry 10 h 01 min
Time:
5 h 39 min
